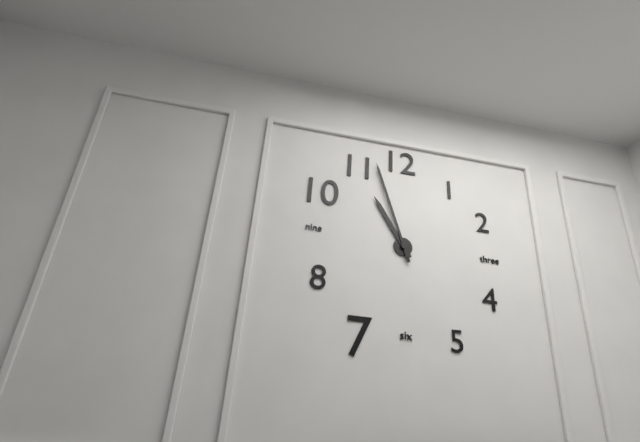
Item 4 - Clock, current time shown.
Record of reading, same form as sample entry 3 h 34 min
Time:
10 h 57 min
